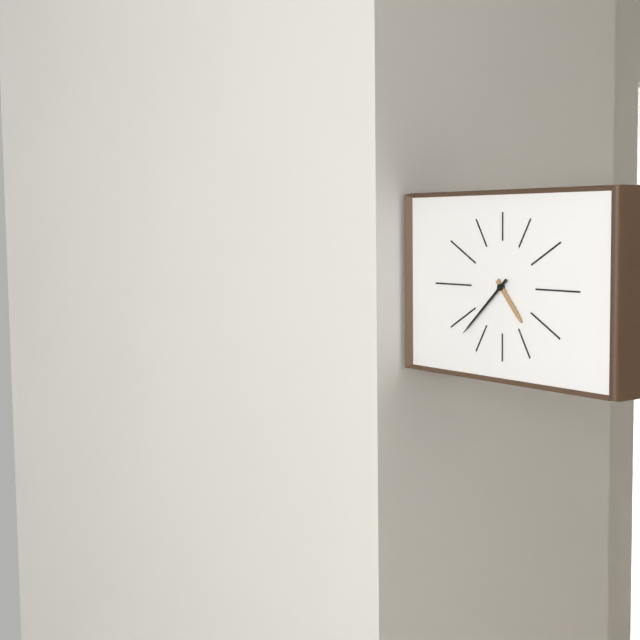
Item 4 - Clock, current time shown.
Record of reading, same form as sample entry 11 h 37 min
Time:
4 h 38 min
